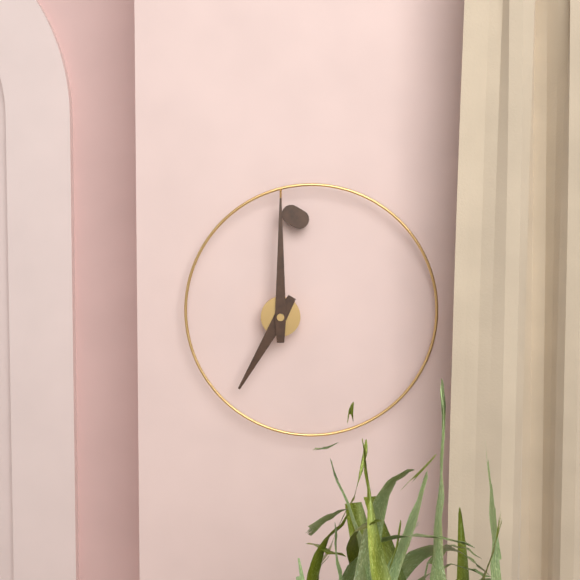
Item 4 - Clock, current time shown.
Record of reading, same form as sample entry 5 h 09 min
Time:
7 h 00 min
